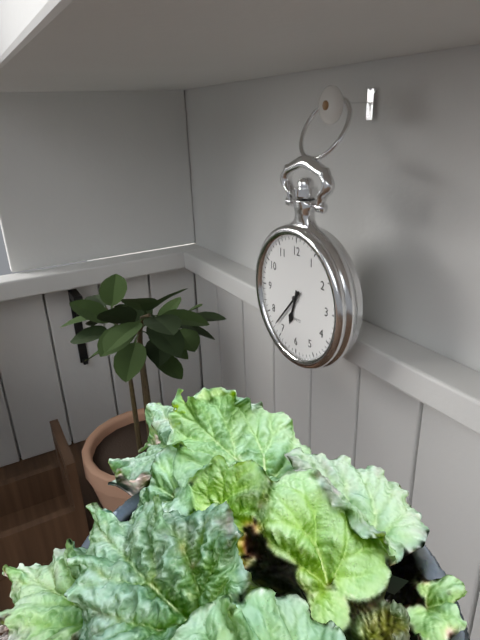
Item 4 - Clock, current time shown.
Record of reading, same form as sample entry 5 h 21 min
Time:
6 h 37 min
